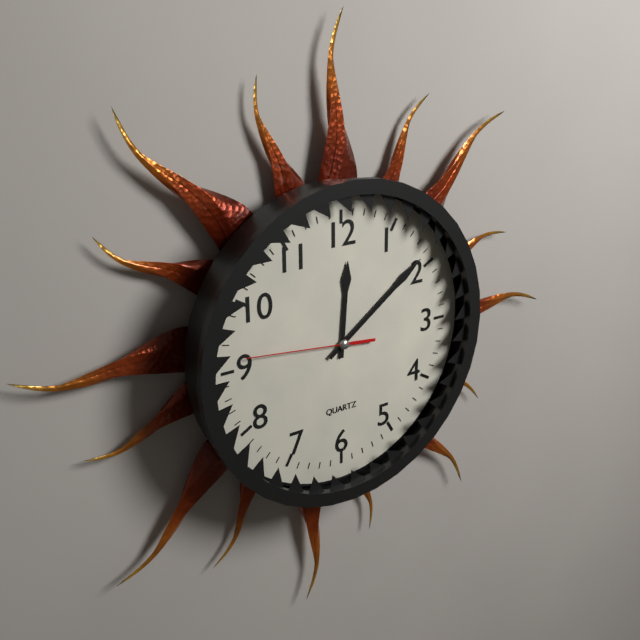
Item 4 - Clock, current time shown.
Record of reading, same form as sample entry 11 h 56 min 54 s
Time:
12 h 09 min 46 s
